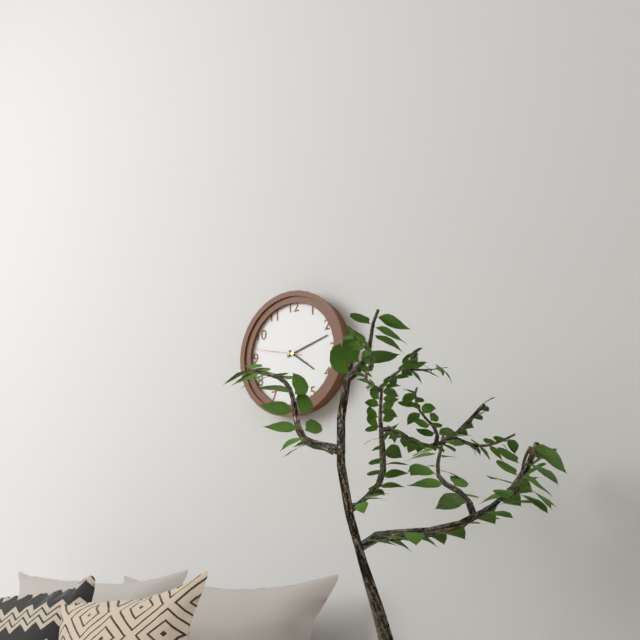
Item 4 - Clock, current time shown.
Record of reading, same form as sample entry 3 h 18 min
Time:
4 h 12 min
